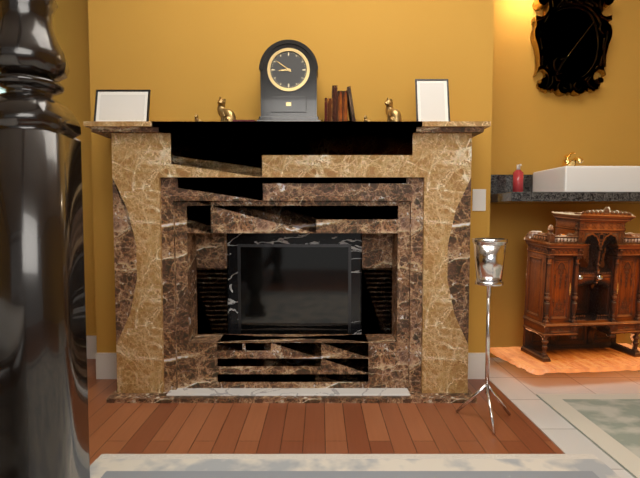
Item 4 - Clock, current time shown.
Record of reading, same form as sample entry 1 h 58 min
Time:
8 h 51 min
